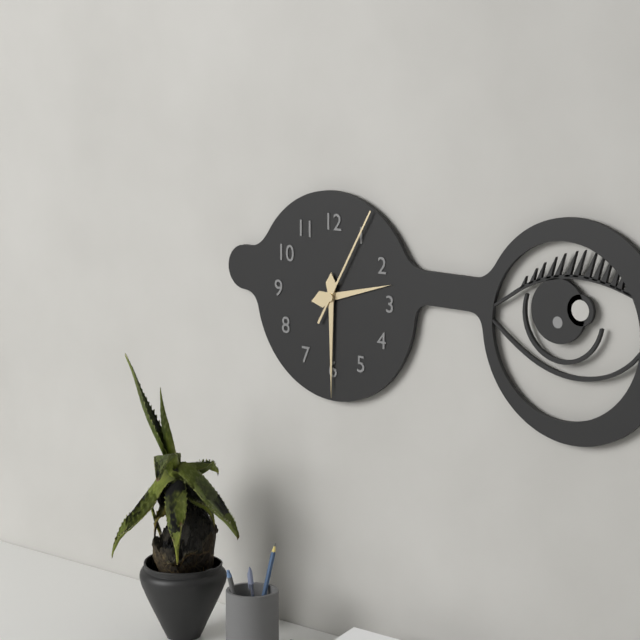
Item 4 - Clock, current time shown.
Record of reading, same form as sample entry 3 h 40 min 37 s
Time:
2 h 30 min 05 s
